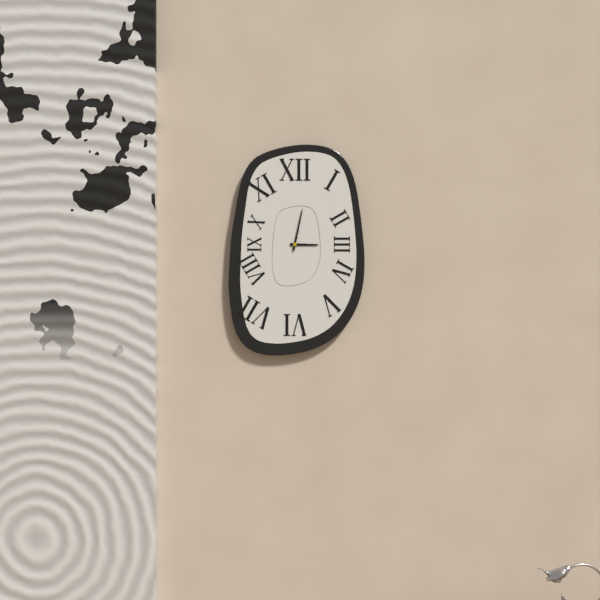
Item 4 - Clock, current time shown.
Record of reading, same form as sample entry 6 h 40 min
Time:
3 h 02 min
